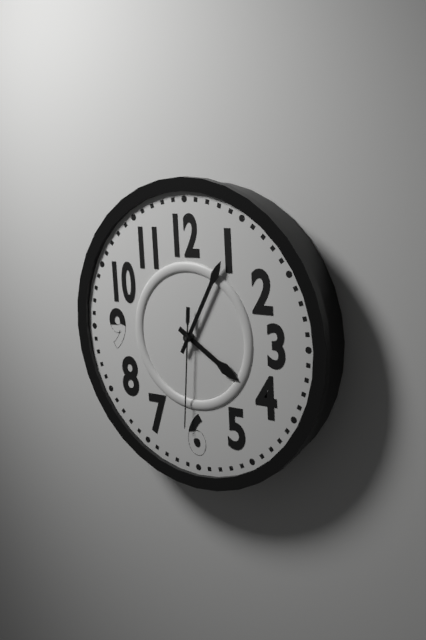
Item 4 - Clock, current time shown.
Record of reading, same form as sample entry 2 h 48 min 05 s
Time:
4 h 05 min 31 s
